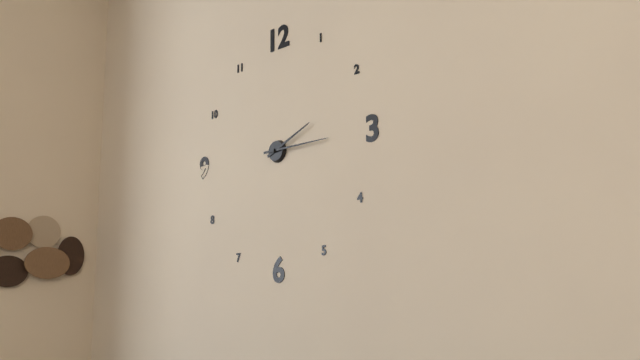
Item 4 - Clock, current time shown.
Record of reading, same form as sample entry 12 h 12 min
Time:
2 h 15 min
